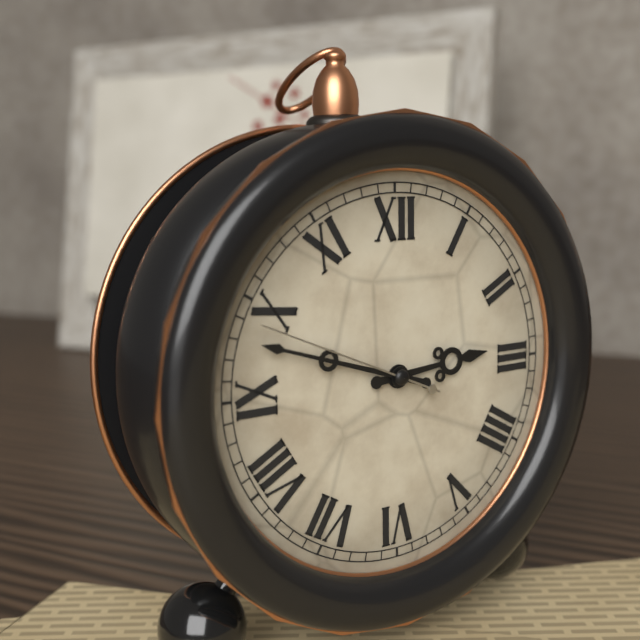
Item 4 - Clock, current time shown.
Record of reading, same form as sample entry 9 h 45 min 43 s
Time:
2 h 48 min 49 s
